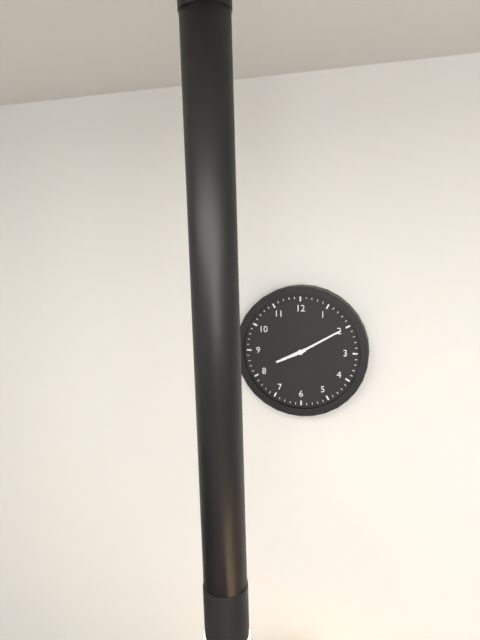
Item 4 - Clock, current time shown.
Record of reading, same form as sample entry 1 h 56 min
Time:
8 h 10 min
